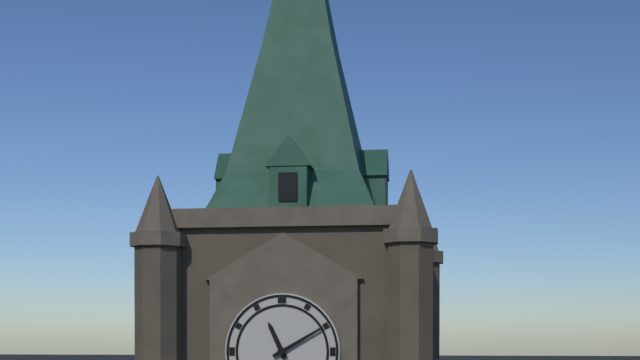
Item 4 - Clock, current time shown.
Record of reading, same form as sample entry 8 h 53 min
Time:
11 h 10 min
